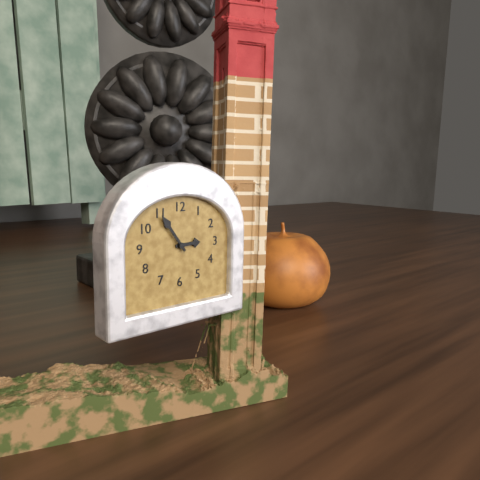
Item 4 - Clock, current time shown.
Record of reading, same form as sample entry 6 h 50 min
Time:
2 h 54 min
